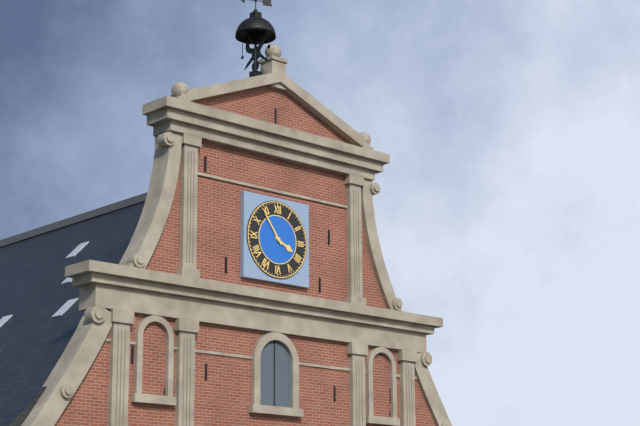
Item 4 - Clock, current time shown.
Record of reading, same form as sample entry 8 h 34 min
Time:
3 h 54 min
